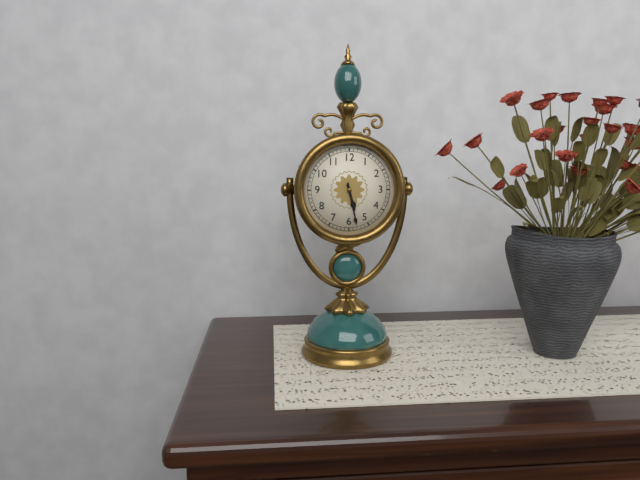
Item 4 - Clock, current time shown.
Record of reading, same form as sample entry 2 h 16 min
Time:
5 h 28 min
